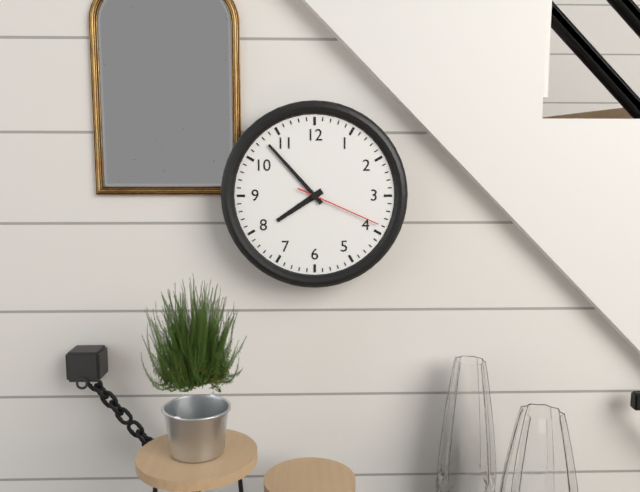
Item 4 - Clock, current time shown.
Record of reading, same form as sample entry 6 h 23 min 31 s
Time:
7 h 53 min 19 s
